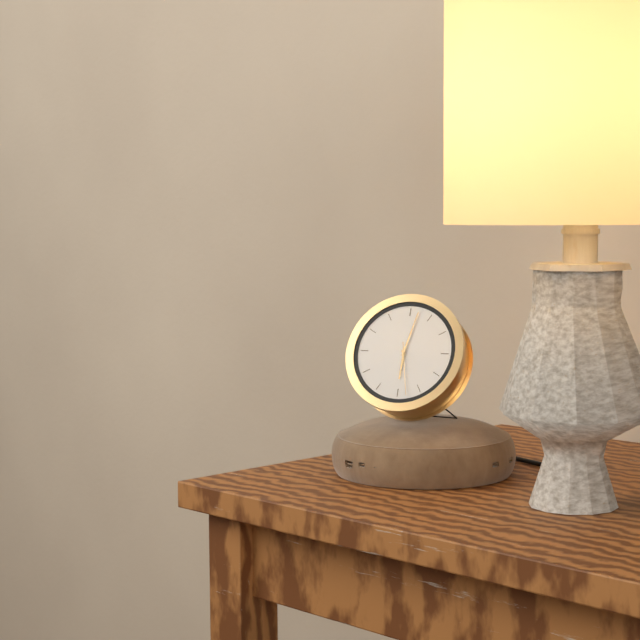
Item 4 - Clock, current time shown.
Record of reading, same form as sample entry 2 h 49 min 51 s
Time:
6 h 02 min 28 s
